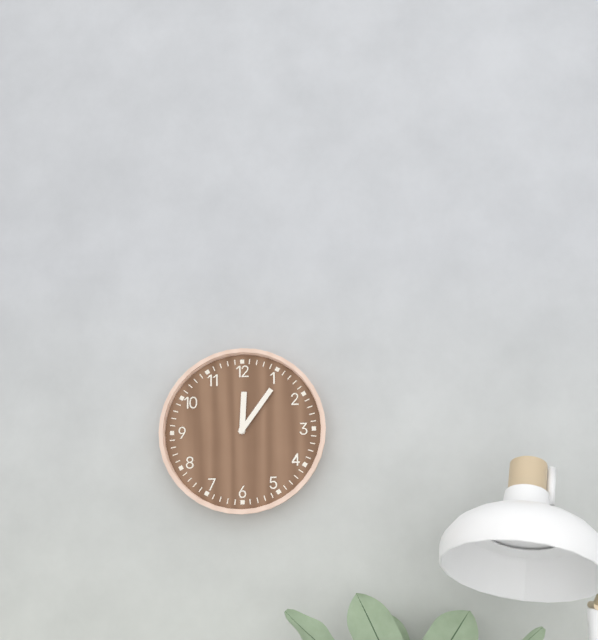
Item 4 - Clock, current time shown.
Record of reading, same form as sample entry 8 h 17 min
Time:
12 h 06 min
